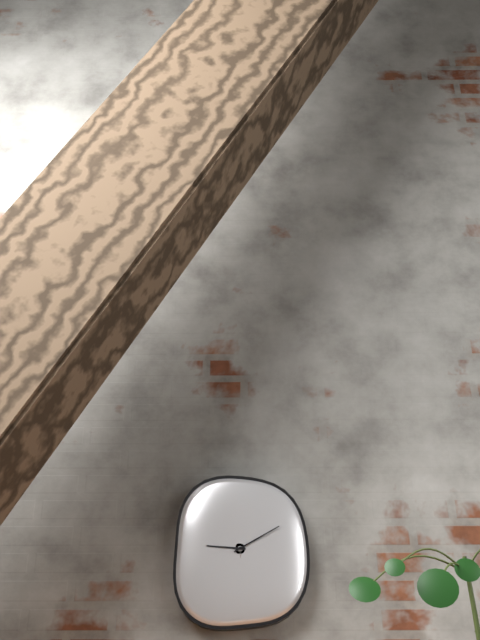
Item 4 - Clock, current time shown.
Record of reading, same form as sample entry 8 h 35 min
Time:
9 h 10 min
